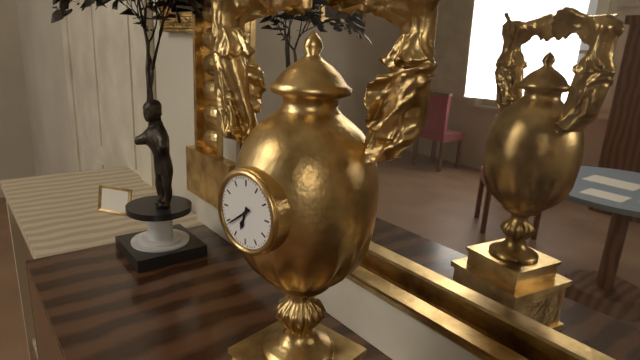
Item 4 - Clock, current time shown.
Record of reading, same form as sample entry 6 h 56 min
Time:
6 h 39 min
